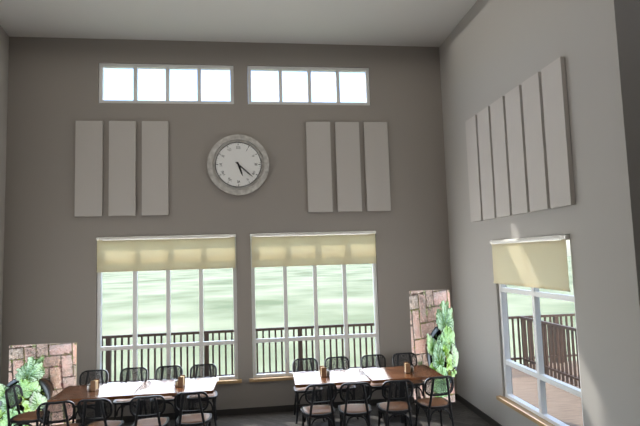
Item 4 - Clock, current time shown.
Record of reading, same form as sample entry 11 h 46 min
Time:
5 h 22 min
